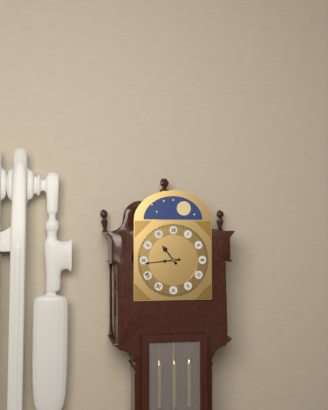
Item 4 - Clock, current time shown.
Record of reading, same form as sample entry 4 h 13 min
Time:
10 h 44 min
